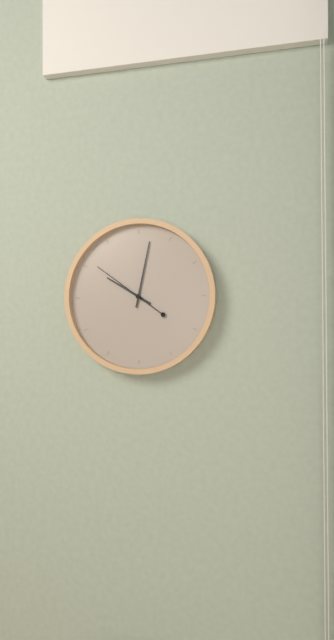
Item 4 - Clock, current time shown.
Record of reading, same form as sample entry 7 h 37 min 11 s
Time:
10 h 02 min 51 s
